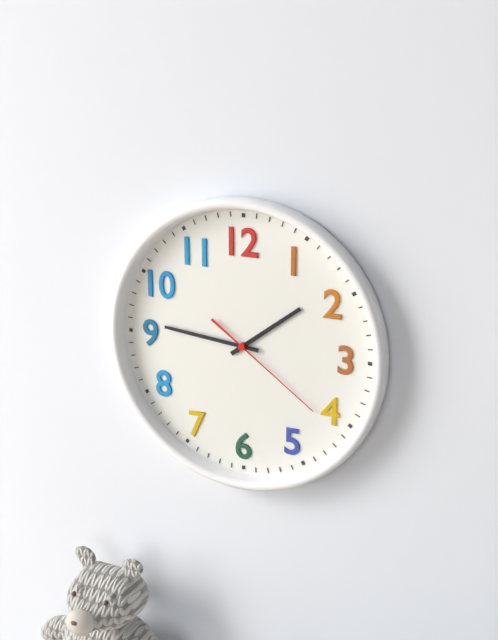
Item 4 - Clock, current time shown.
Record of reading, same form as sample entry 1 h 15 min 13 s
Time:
1 h 46 min 21 s
